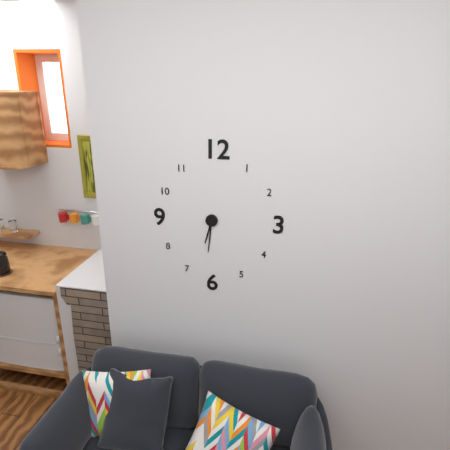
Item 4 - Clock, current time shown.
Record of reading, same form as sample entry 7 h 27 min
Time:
6 h 31 min
